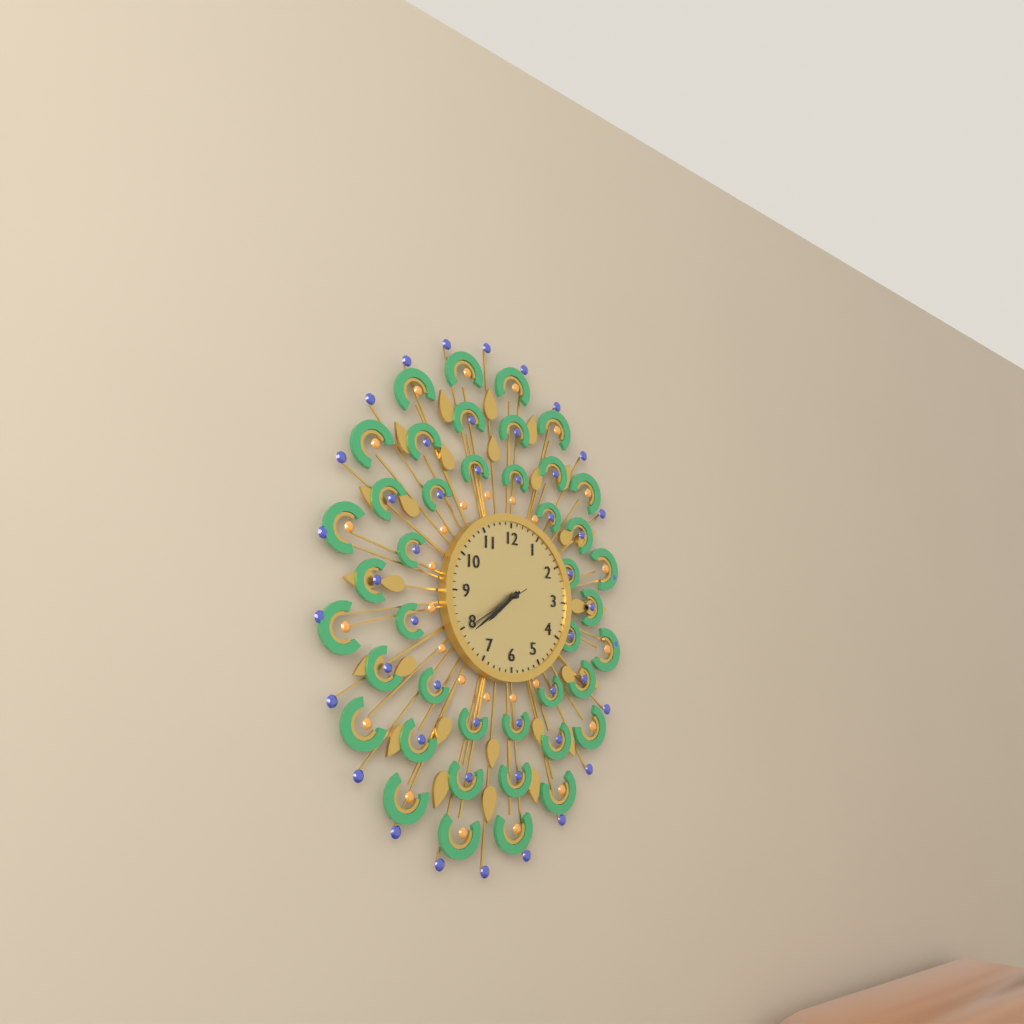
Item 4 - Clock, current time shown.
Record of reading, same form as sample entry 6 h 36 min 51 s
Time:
7 h 39 min 40 s
